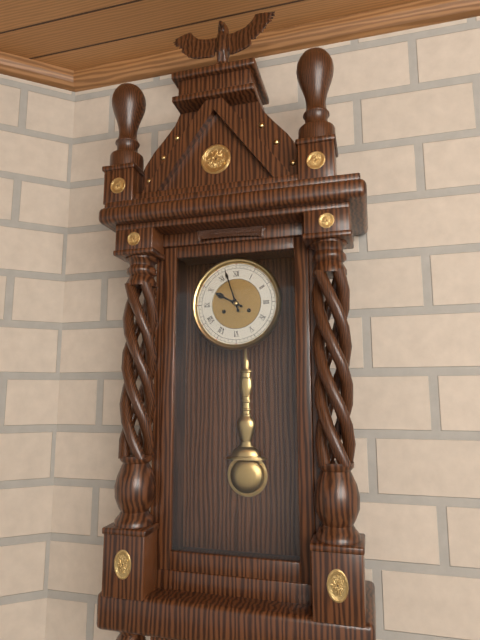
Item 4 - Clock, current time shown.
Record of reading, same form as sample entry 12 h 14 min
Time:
9 h 57 min
